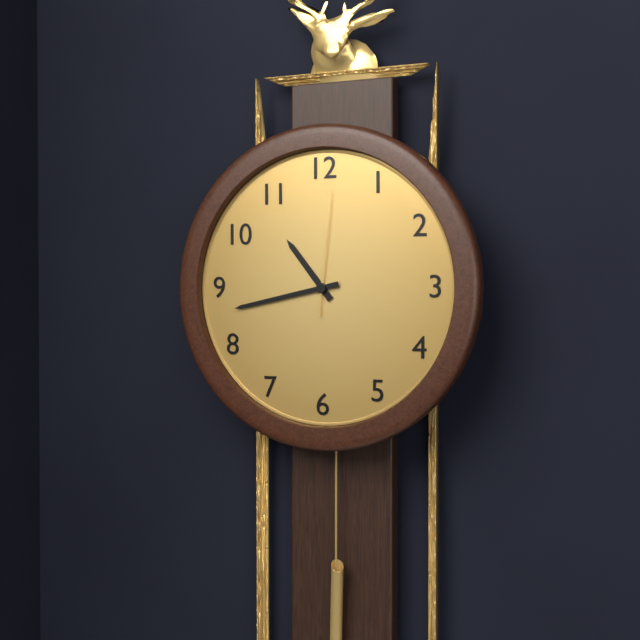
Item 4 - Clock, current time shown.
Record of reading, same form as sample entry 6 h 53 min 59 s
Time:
10 h 43 min 01 s
